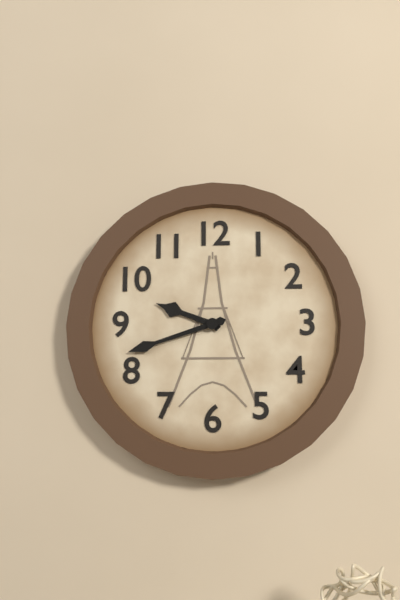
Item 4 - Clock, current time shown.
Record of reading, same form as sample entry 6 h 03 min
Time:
9 h 42 min
